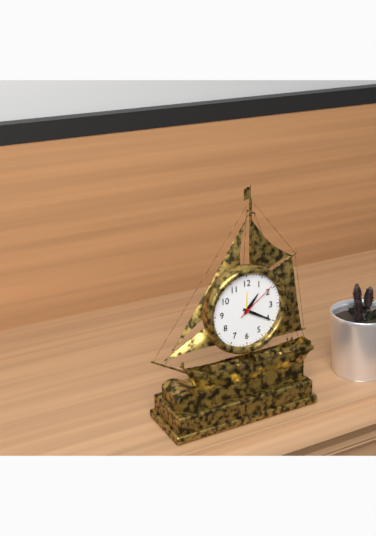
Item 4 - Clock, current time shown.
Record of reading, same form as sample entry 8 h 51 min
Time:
1 h 20 min
